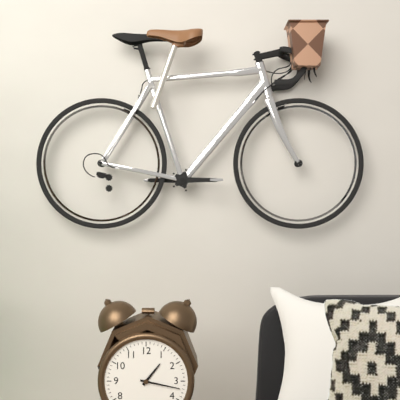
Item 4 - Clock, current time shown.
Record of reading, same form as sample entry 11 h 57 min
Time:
1 h 17 min
